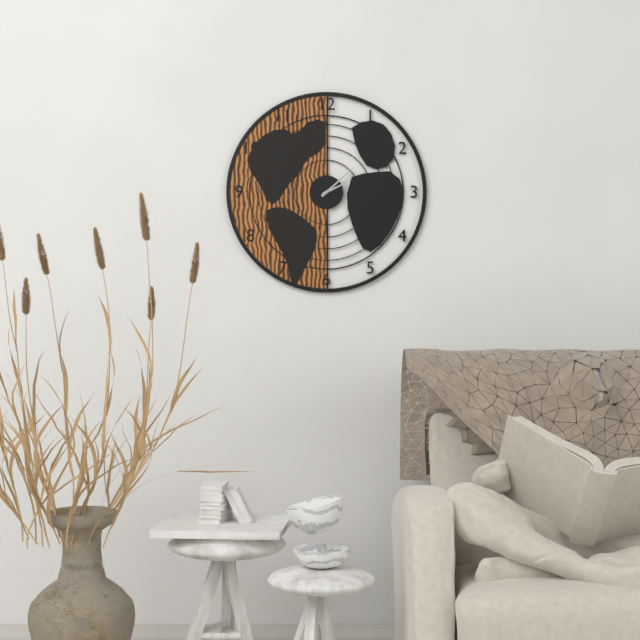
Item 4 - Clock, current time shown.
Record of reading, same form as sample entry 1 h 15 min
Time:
2 h 08 min
